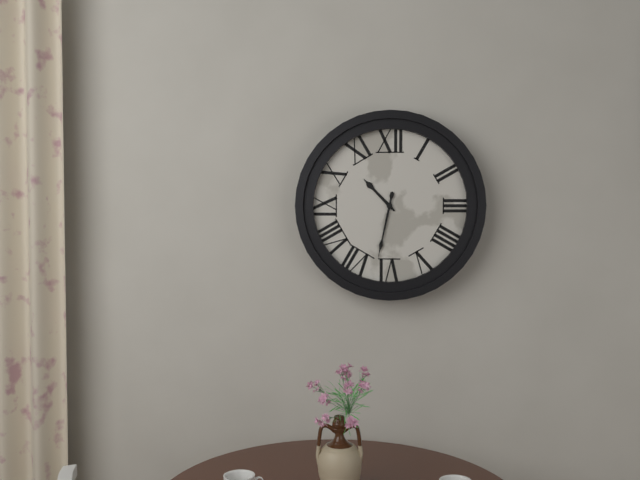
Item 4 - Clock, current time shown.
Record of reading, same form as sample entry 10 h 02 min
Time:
10 h 32 min
